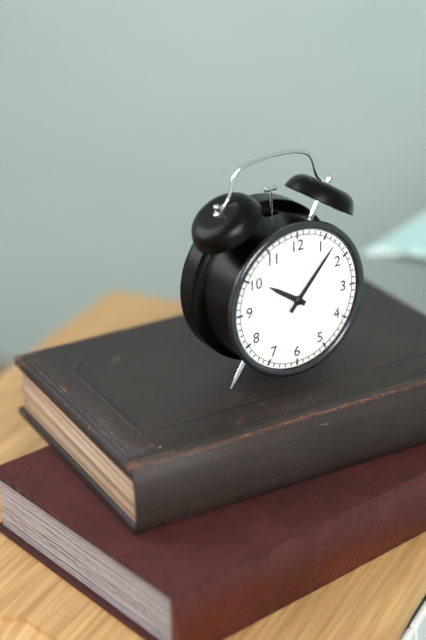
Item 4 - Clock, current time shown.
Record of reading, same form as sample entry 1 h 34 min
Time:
10 h 07 min
